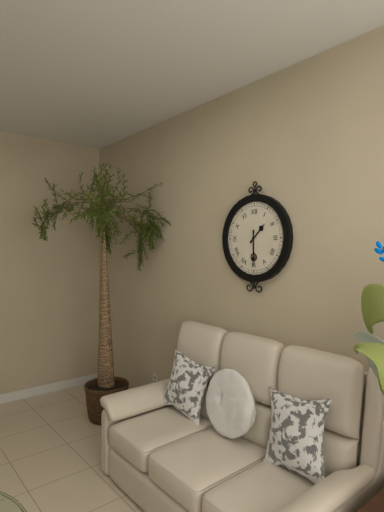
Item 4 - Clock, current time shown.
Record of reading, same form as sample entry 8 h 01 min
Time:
1 h 30 min
